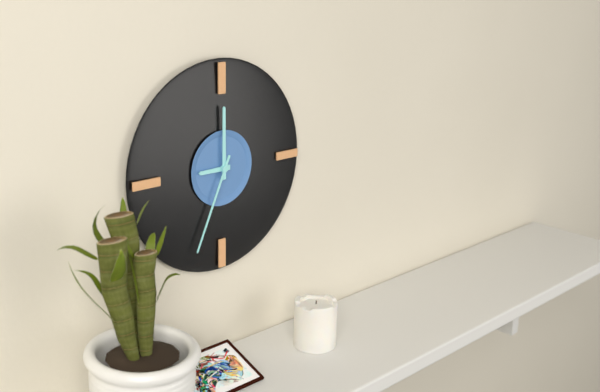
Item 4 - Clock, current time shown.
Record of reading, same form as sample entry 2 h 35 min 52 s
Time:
9 h 00 min 34 s
